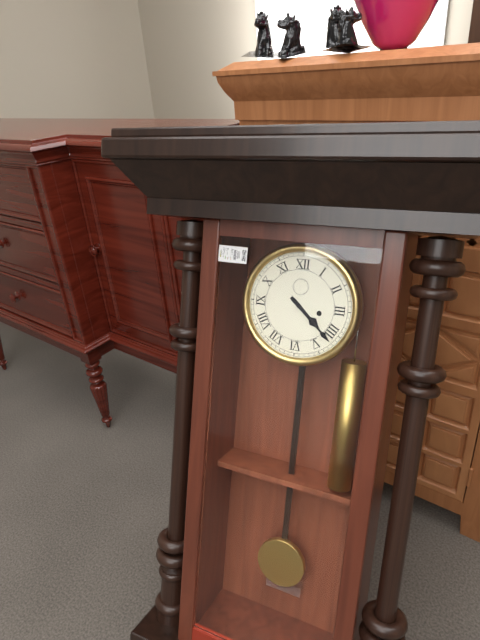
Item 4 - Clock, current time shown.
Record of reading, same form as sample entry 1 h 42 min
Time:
4 h 22 min
